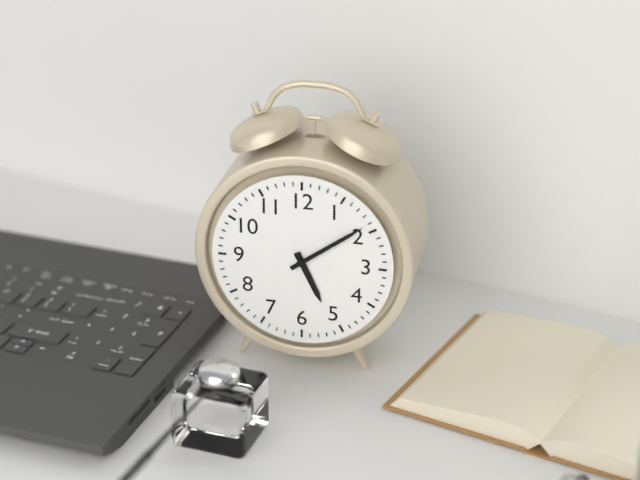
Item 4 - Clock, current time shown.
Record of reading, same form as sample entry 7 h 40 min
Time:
5 h 09 min
